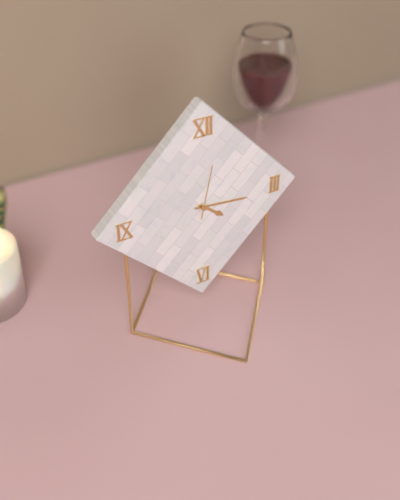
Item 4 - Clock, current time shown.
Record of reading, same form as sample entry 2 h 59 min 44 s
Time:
4 h 16 min 02 s
